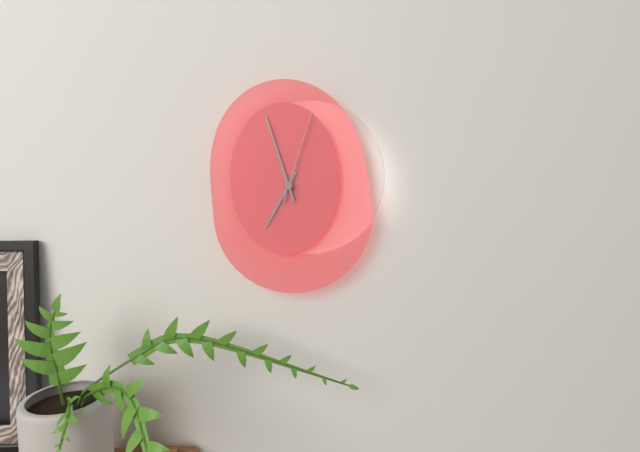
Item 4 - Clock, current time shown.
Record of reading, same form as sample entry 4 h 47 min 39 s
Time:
6 h 57 min 03 s
